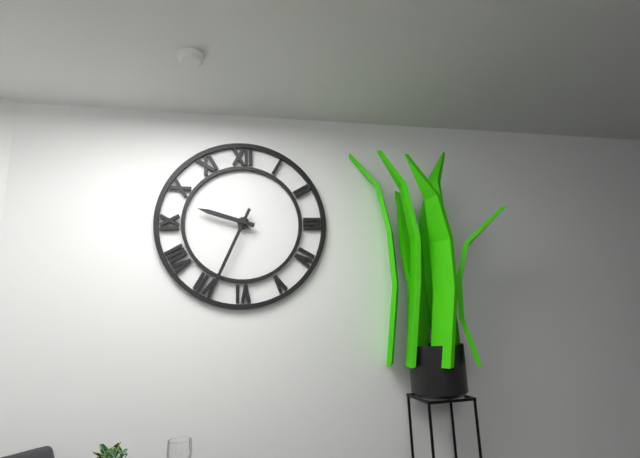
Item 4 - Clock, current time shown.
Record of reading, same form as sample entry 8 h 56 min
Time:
9 h 34 min
